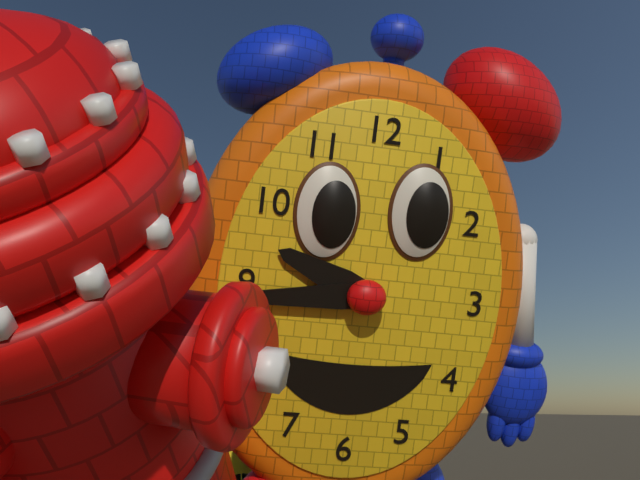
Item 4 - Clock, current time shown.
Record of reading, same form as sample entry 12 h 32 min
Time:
9 h 44 min
